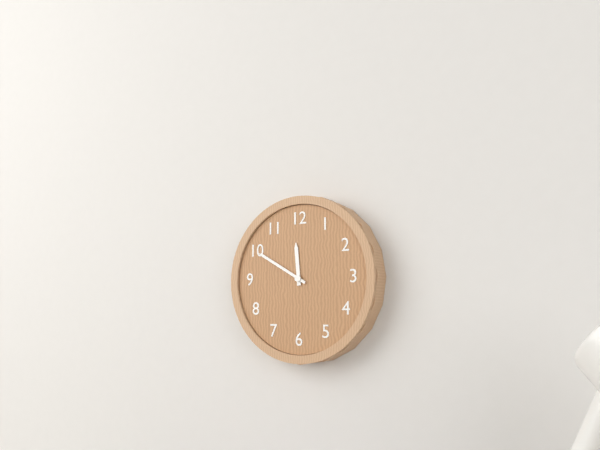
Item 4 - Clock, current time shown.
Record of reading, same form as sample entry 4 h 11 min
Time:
11 h 50 min
